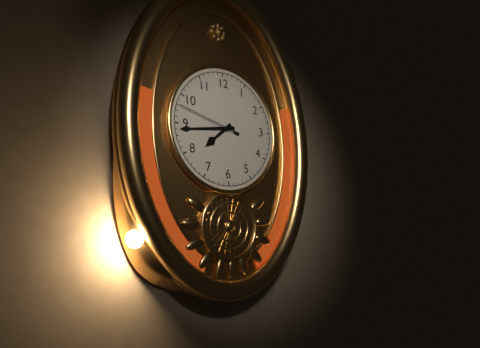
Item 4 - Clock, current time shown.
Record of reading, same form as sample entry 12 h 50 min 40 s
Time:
7 h 44 min 48 s
